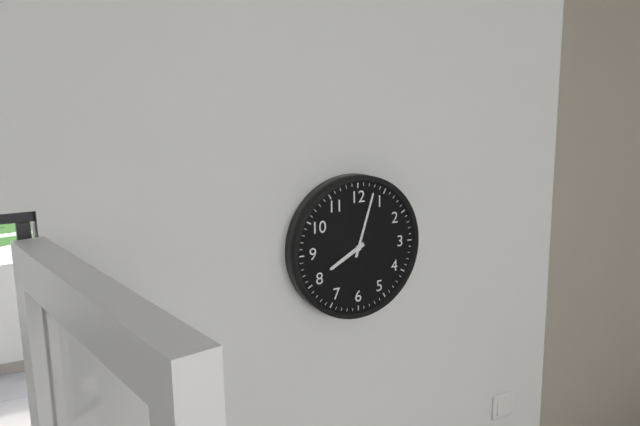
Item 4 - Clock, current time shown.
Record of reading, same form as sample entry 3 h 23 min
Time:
8 h 03 min
